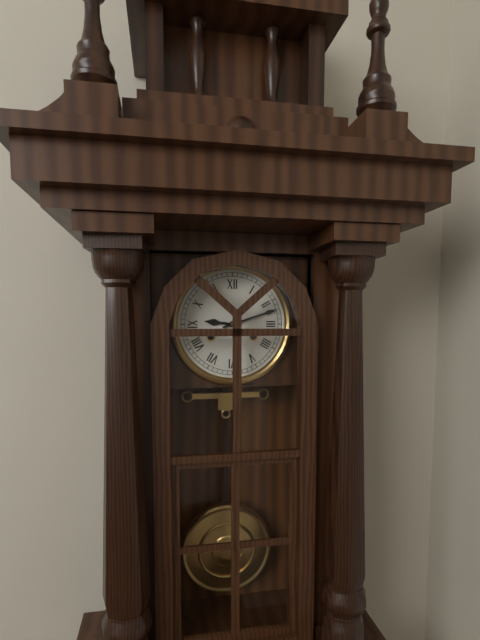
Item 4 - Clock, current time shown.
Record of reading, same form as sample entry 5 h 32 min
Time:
9 h 12 min
